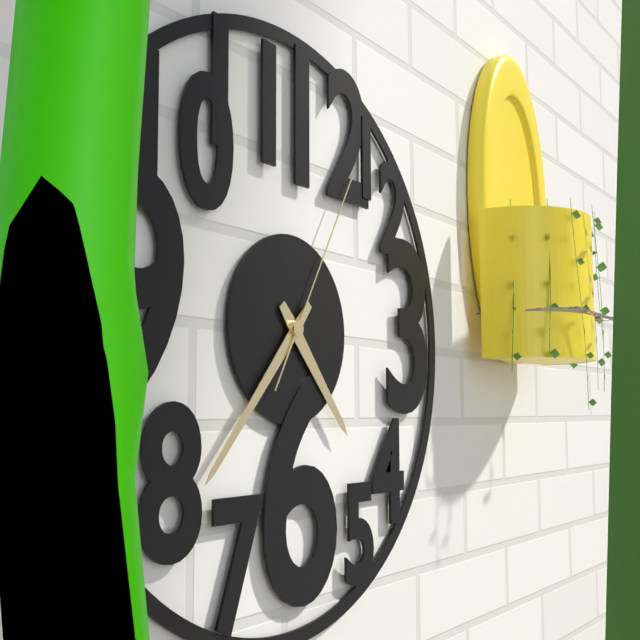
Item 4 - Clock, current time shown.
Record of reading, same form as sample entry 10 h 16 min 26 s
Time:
4 h 37 min 05 s
